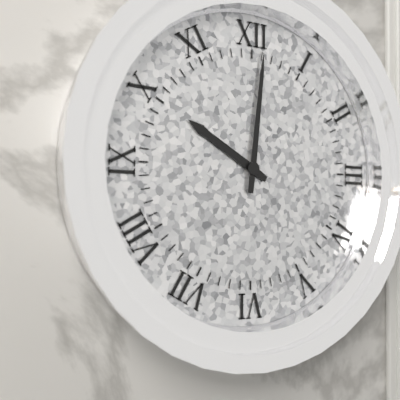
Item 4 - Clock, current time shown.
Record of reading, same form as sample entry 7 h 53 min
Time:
10 h 01 min
